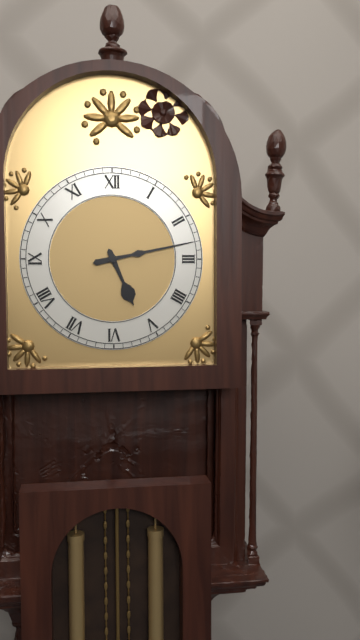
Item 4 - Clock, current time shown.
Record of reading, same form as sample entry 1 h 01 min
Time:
5 h 13 min
